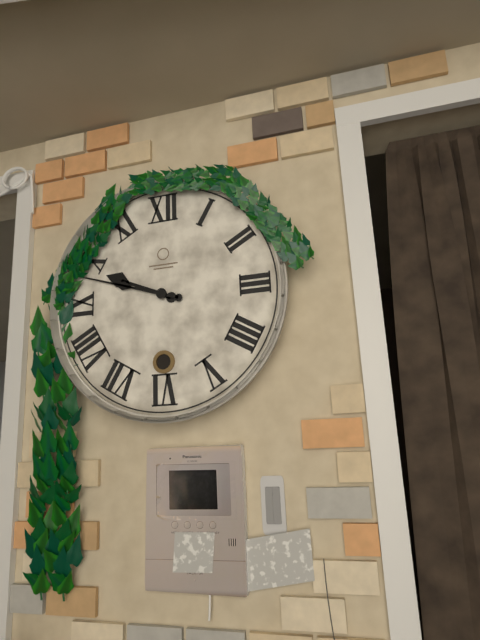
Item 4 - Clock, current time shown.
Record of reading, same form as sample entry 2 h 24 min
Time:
9 h 48 min
